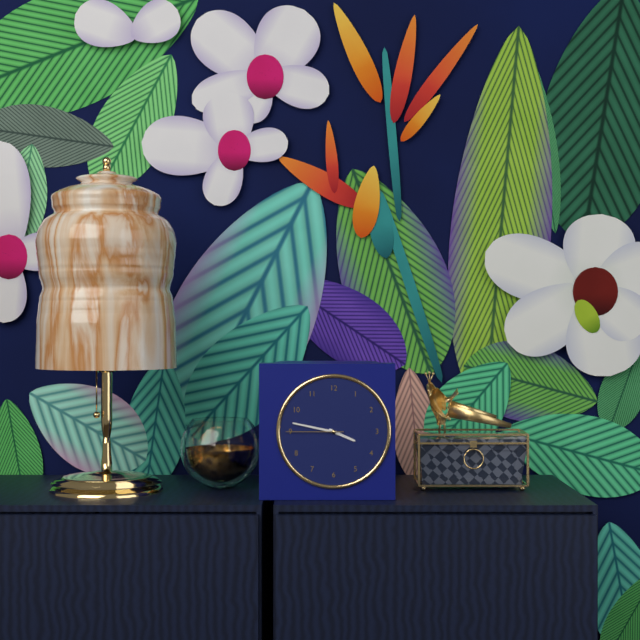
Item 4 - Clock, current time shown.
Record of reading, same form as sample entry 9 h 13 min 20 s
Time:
3 h 47 min 45 s
